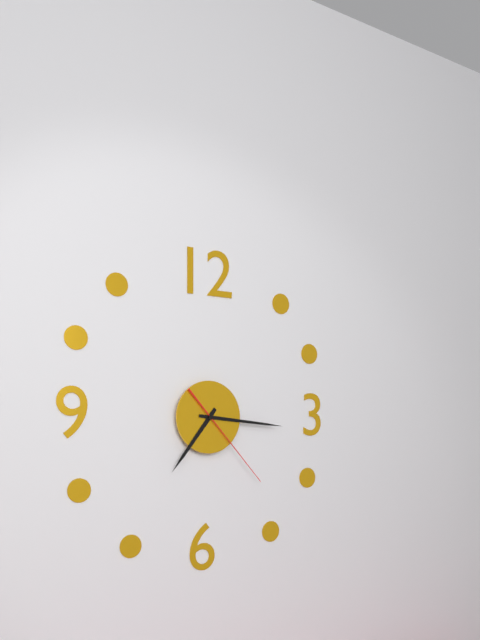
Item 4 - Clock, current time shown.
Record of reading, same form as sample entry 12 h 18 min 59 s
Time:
7 h 16 min 23 s
